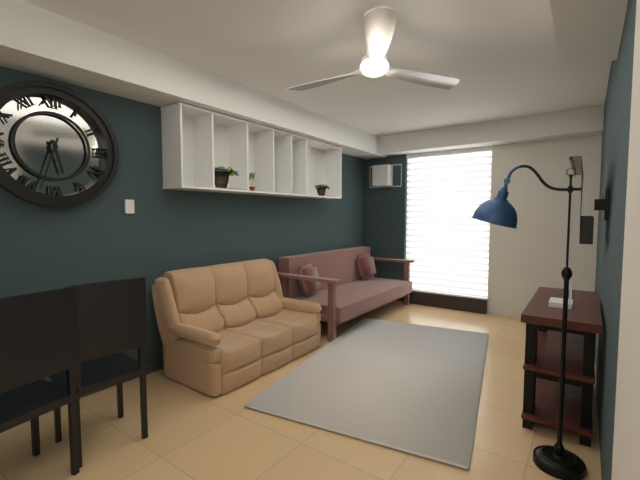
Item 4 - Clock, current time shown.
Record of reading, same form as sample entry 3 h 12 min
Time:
5 h 33 min
